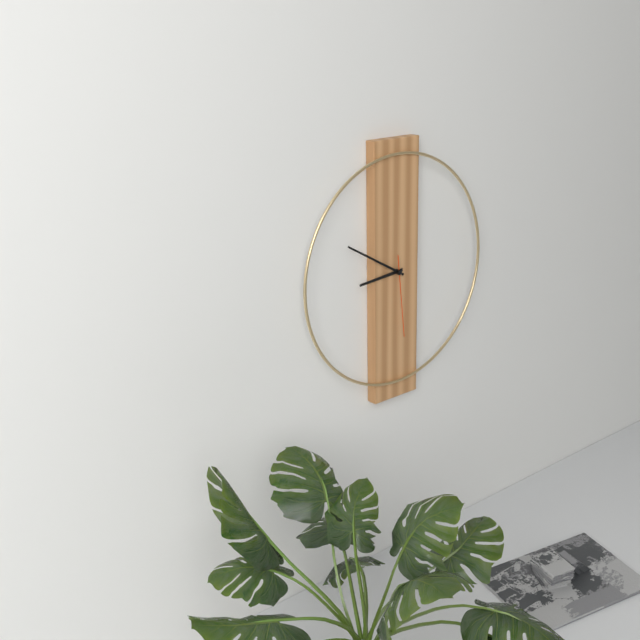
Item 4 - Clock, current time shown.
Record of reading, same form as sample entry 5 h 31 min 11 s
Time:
8 h 50 min 29 s
